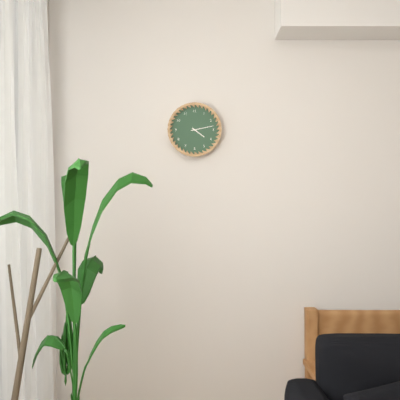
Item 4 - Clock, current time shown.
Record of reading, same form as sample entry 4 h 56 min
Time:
4 h 13 min
